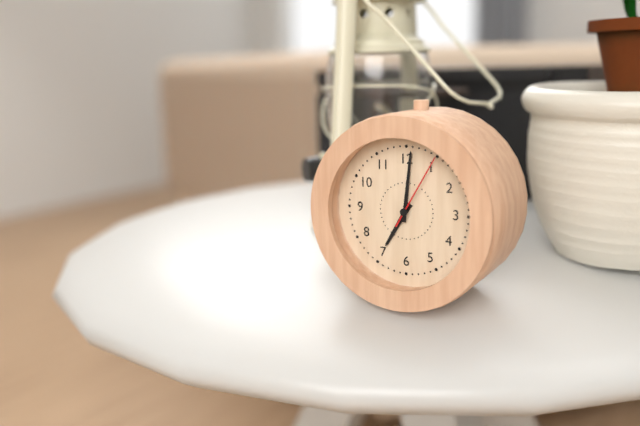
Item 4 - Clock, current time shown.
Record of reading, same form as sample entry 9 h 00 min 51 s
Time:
7 h 01 min 05 s
